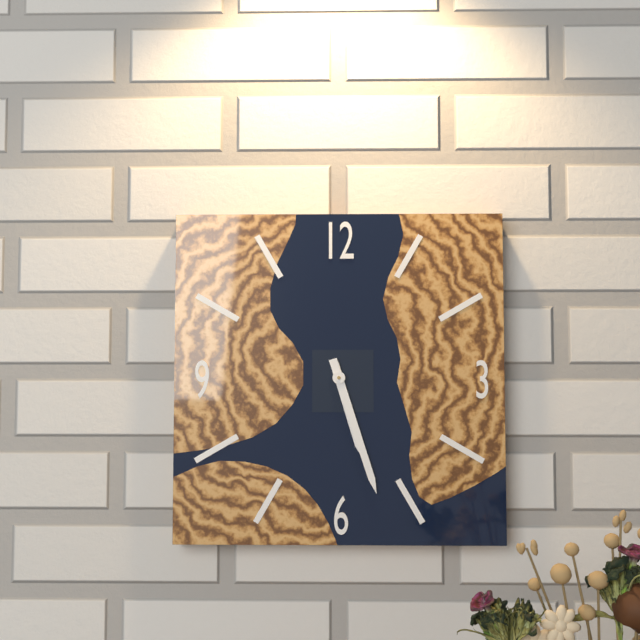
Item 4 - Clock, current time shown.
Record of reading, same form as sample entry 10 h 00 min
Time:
5 h 27 min
